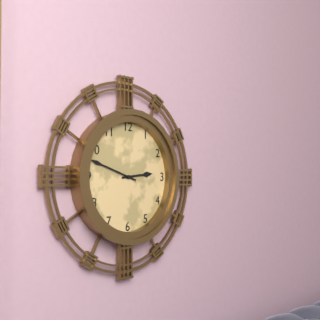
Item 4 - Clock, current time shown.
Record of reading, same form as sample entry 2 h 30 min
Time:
2 h 48 min
